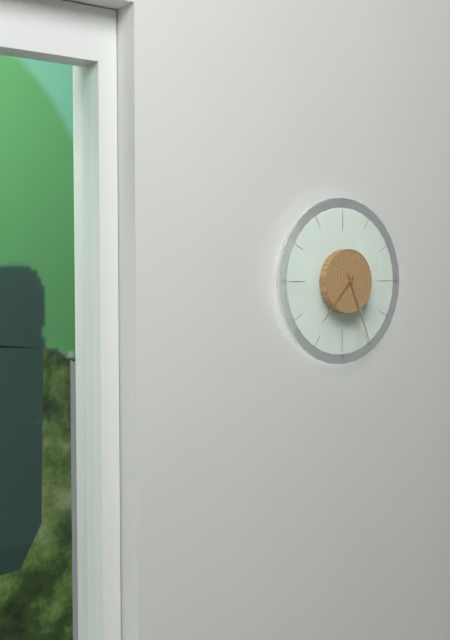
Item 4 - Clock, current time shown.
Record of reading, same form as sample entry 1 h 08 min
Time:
7 h 26 min
